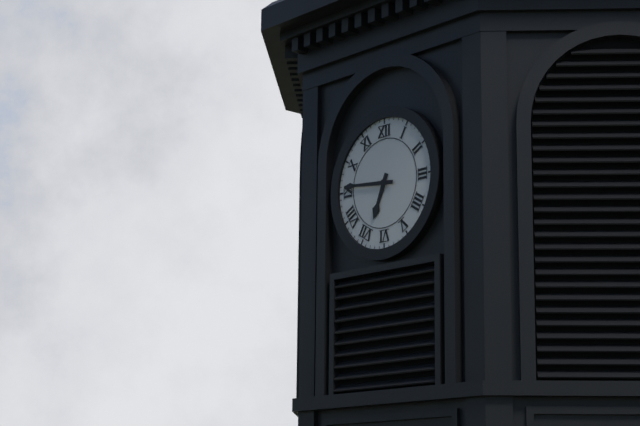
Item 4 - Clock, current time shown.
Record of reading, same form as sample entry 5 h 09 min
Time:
6 h 46 min
